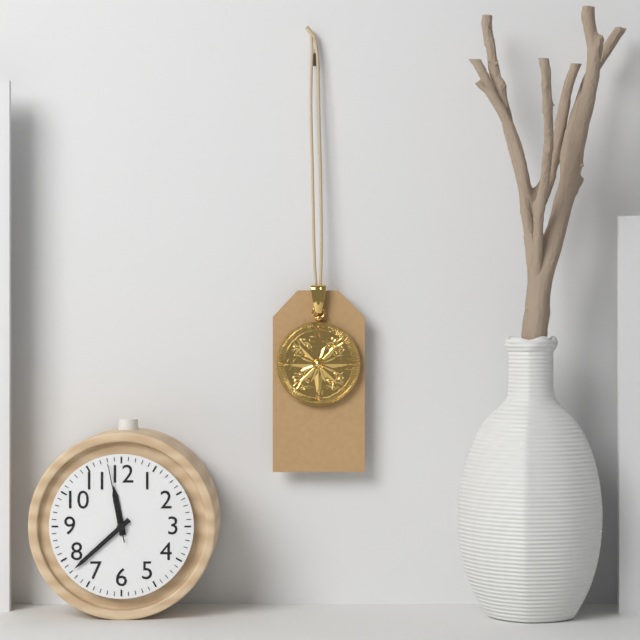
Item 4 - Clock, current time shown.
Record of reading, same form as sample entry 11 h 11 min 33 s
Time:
11 h 38 min 58 s
